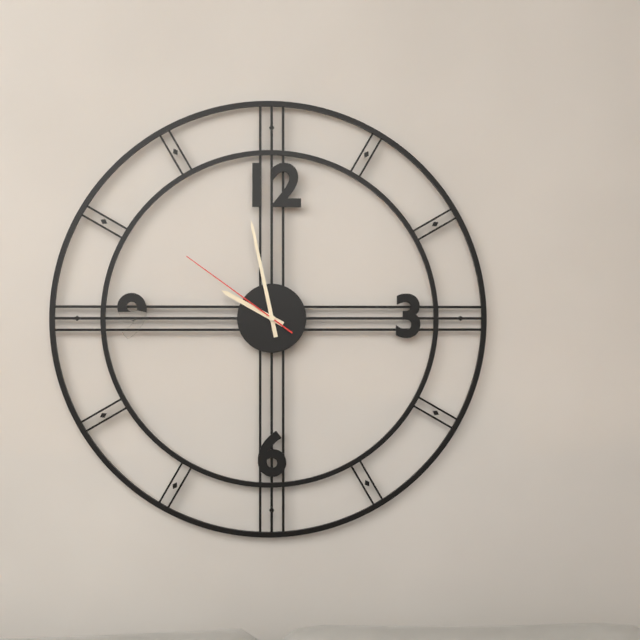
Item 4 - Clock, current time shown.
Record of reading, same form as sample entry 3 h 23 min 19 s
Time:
9 h 58 min 51 s
